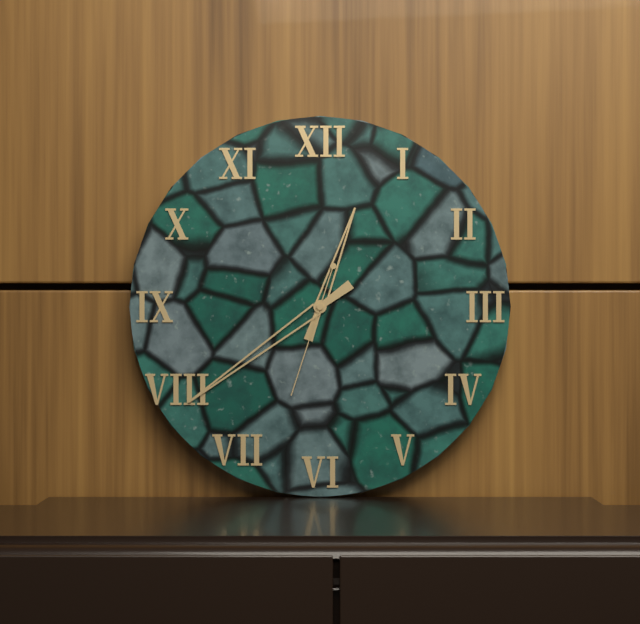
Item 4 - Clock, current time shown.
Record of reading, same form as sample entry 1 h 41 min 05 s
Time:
12 h 39 min 33 s
